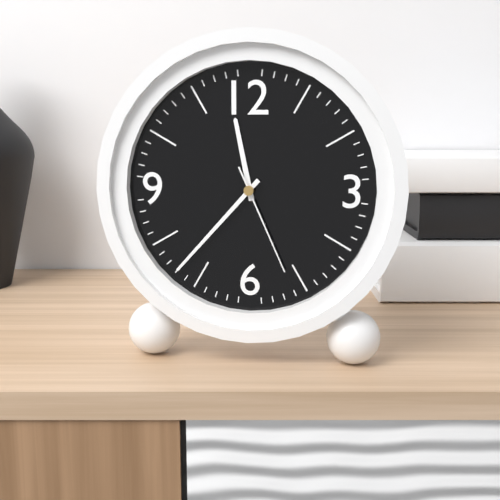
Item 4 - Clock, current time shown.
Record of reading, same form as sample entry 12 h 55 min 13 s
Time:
11 h 37 min 26 s
